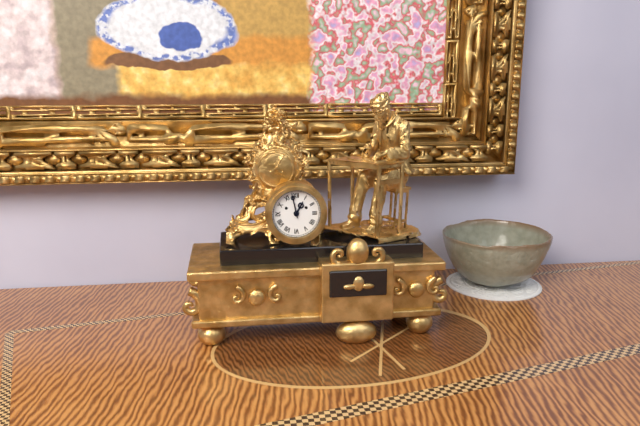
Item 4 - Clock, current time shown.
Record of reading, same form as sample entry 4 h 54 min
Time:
12 h 58 min
